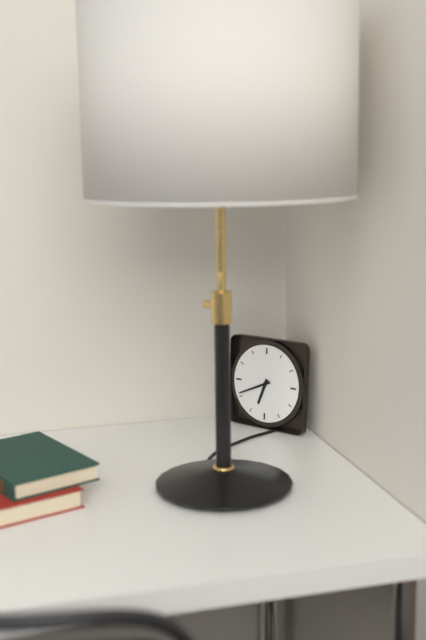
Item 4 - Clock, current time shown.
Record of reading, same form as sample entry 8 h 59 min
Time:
6 h 41 min
